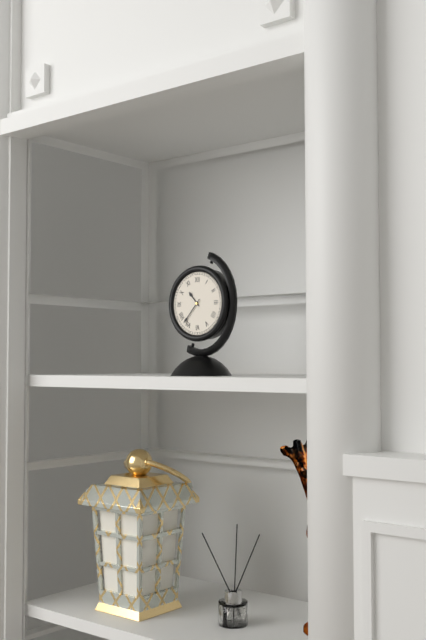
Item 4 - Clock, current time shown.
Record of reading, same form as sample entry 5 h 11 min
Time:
10 h 37 min
